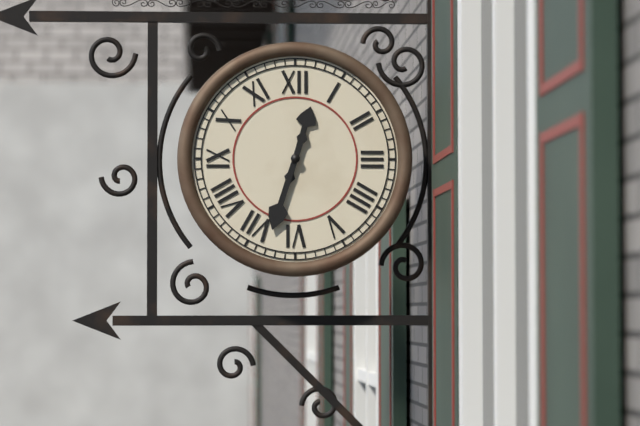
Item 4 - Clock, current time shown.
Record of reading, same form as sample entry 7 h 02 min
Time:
12 h 33 min
